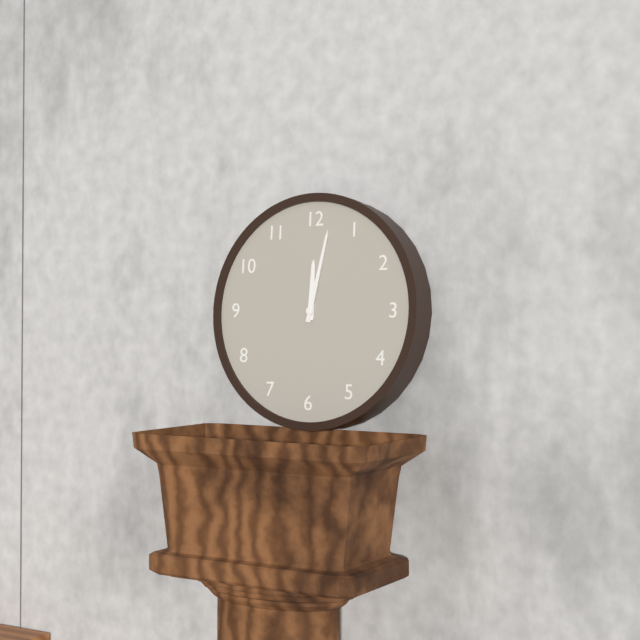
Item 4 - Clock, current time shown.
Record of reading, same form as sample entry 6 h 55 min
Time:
12 h 02 min
